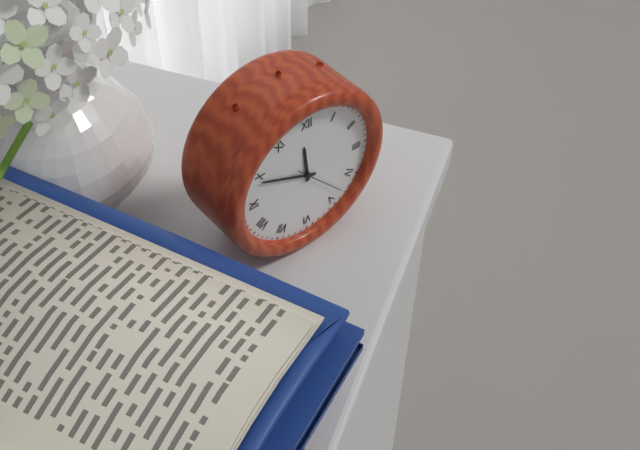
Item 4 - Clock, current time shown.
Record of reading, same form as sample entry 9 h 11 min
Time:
11 h 49 min
